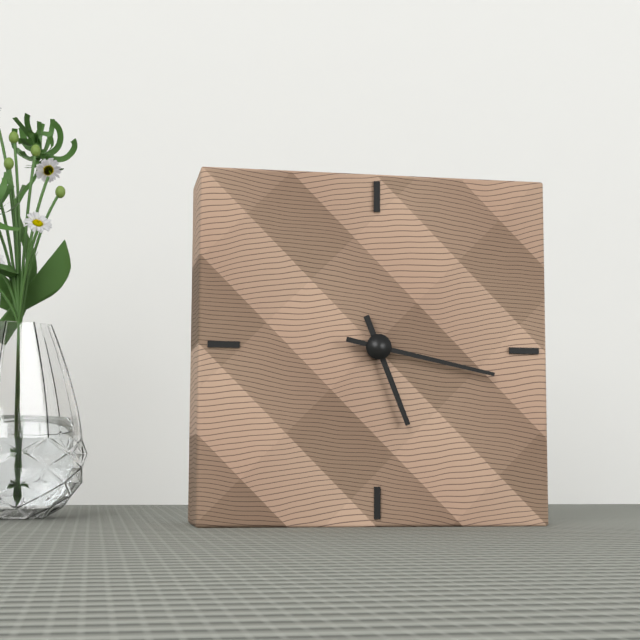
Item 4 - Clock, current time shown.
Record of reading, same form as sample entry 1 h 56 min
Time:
5 h 17 min
